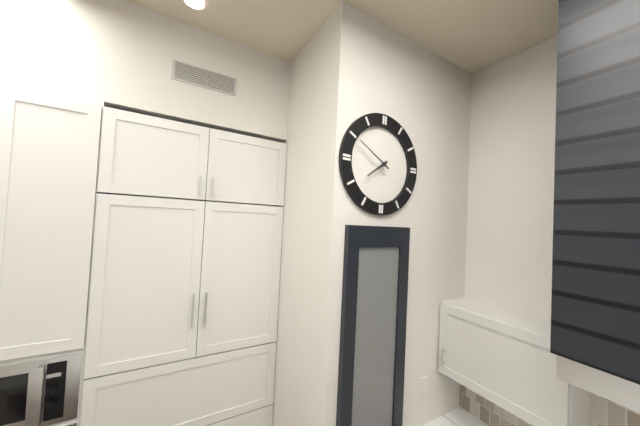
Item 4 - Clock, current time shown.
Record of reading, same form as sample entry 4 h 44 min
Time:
7 h 50 min
